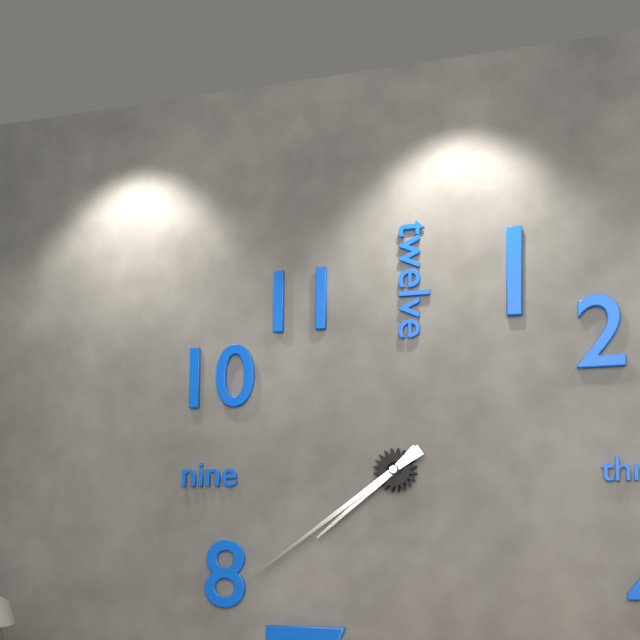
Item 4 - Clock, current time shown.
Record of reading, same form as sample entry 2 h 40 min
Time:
7 h 39 min
